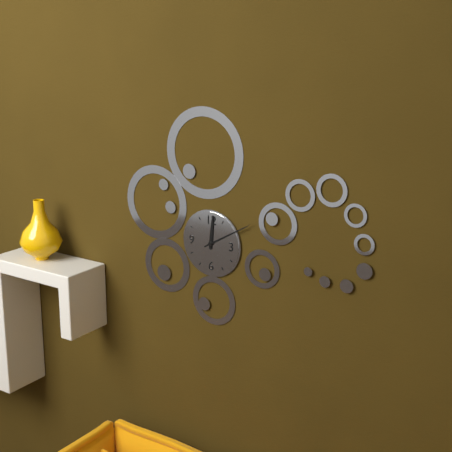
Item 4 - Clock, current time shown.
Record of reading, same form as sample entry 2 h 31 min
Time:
12 h 10 min
